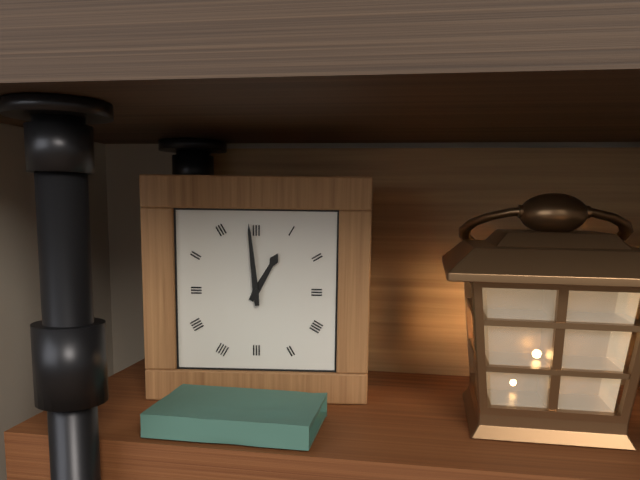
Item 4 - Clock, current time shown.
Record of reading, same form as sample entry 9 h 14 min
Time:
12 h 59 min
